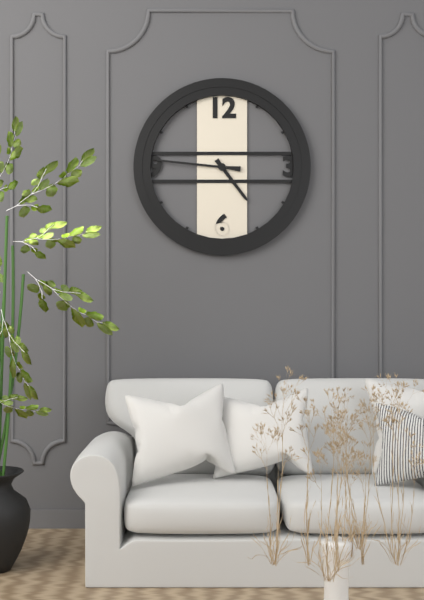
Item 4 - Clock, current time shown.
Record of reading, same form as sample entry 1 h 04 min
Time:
4 h 46 min
